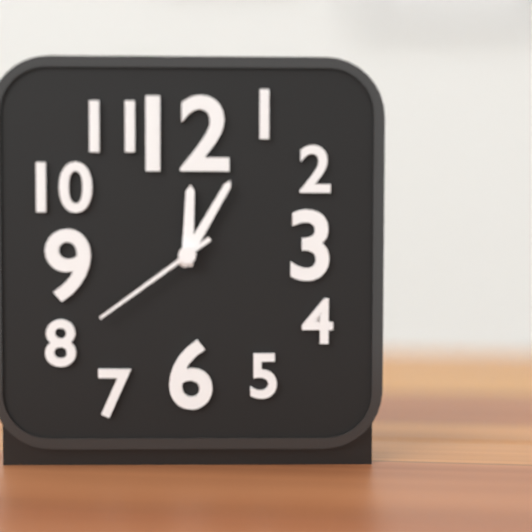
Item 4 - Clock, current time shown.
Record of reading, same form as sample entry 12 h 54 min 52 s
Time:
12 h 05 min 39 s
